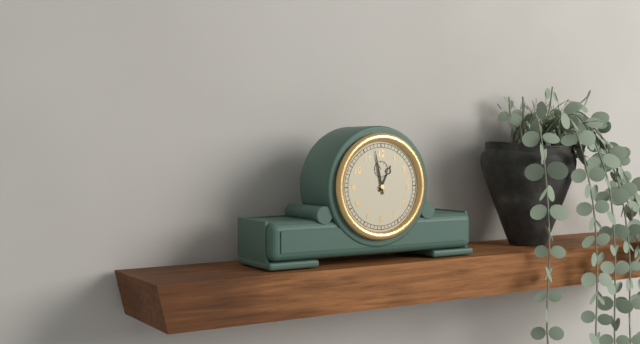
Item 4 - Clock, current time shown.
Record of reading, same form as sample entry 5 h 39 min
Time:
12 h 58 min
